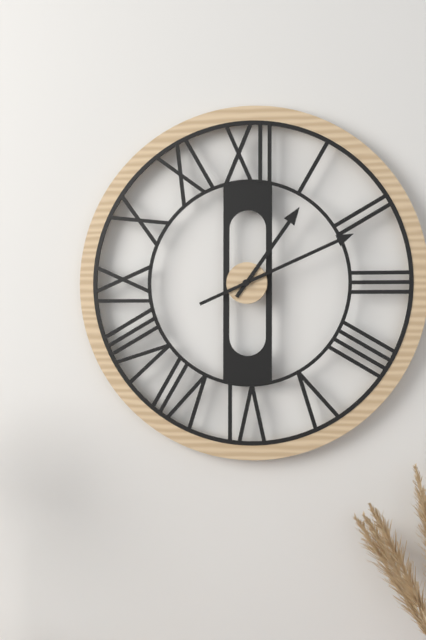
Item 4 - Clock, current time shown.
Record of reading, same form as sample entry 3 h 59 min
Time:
1 h 11 min
